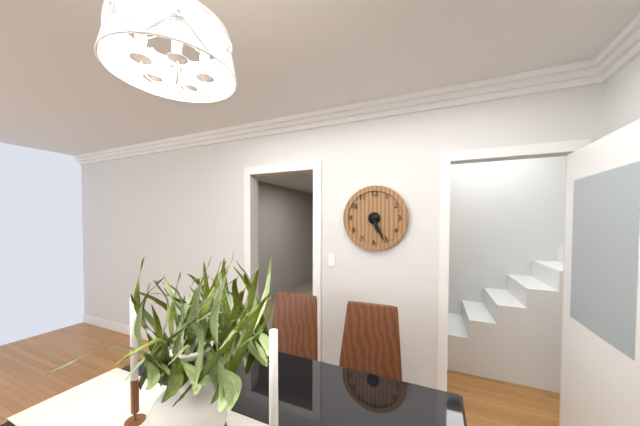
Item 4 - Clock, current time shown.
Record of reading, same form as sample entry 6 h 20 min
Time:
5 h 26 min
